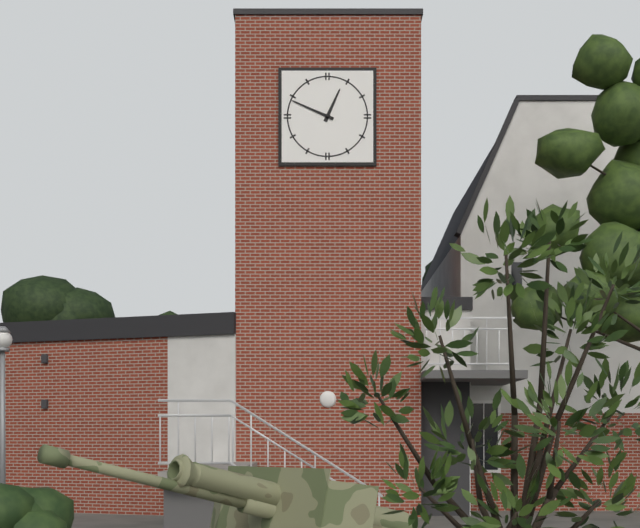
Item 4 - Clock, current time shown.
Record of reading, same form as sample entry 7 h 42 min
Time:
12 h 49 min
